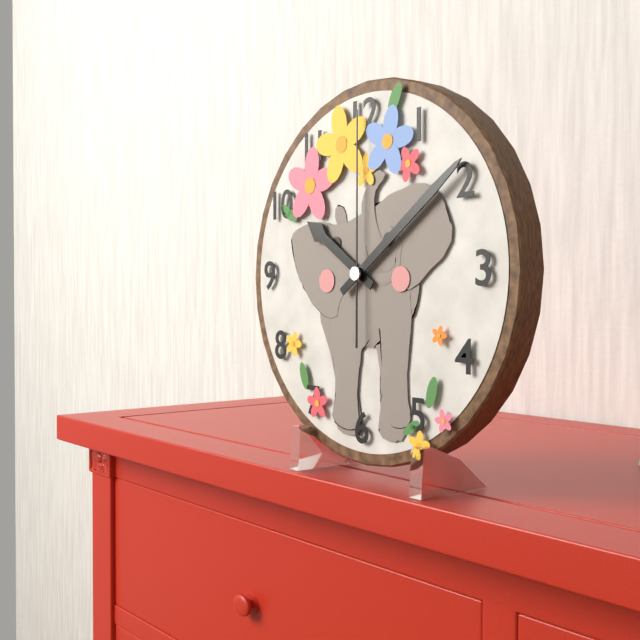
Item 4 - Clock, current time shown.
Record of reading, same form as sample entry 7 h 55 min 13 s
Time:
10 h 09 min 00 s
